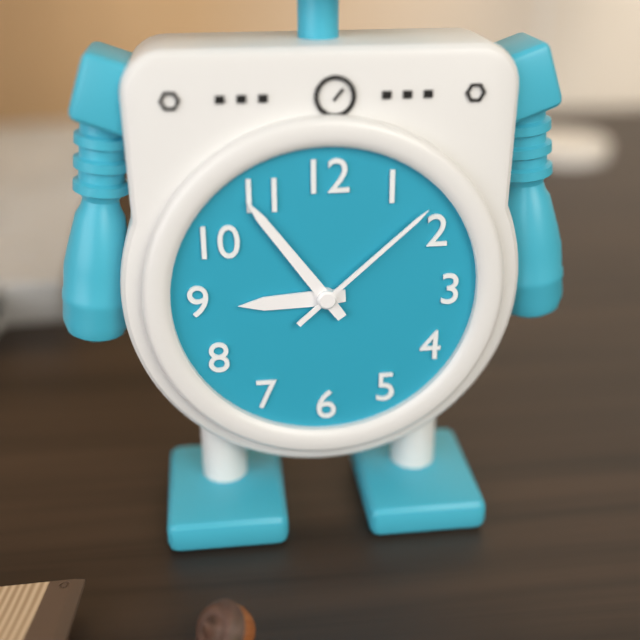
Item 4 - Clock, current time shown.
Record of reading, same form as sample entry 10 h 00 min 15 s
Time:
8 h 54 min 08 s
